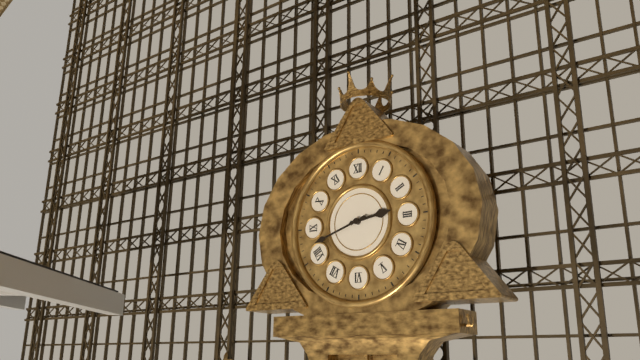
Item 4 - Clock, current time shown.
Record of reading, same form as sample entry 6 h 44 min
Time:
2 h 42 min
